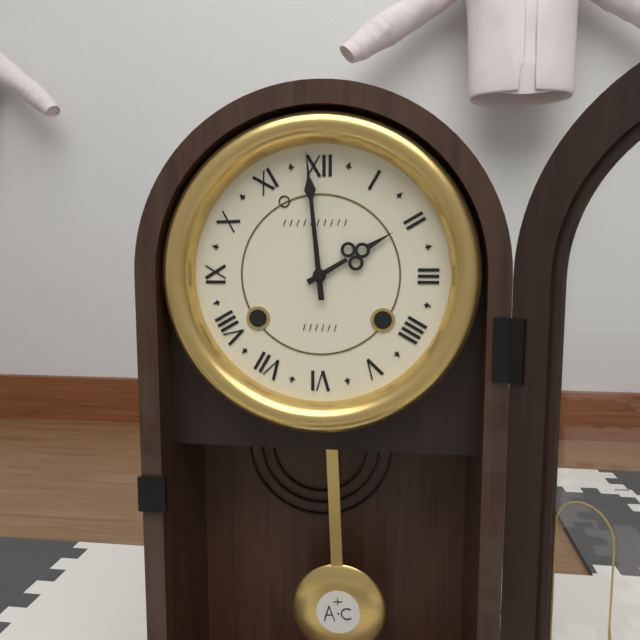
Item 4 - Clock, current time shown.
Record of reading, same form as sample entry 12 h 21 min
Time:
1 h 59 min
